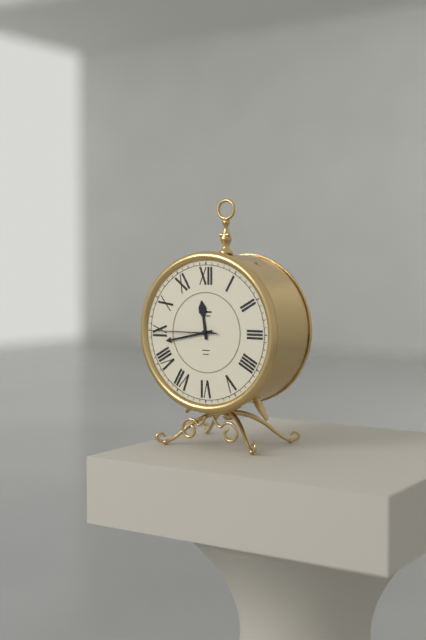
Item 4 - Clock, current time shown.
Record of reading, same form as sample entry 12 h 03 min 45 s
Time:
11 h 43 min 45 s
